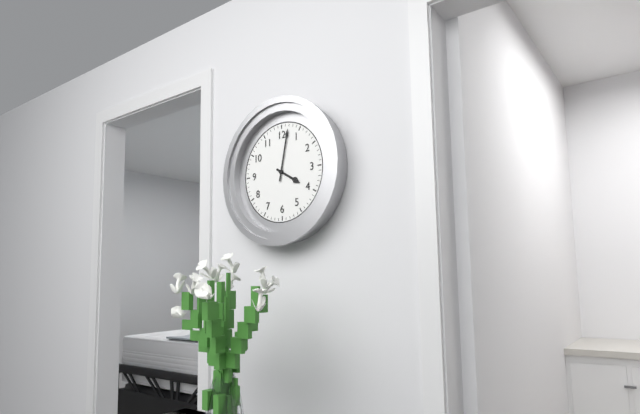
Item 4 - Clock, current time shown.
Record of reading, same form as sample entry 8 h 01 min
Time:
4 h 02 min
